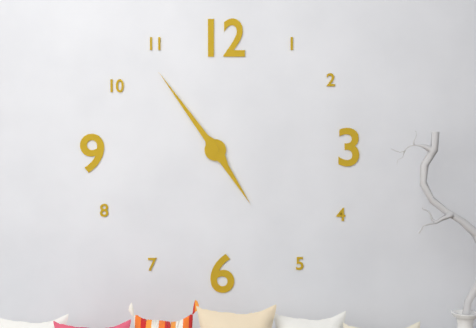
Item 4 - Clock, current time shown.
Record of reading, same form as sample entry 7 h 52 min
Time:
4 h 54 min
